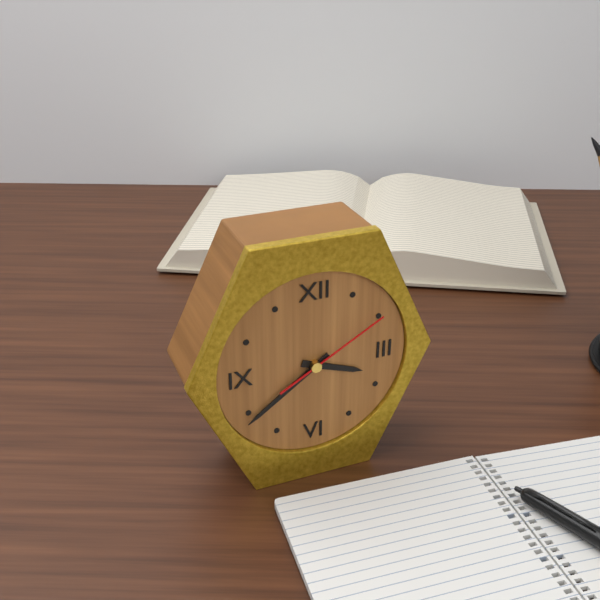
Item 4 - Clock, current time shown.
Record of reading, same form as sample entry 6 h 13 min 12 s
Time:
3 h 39 min 10 s
